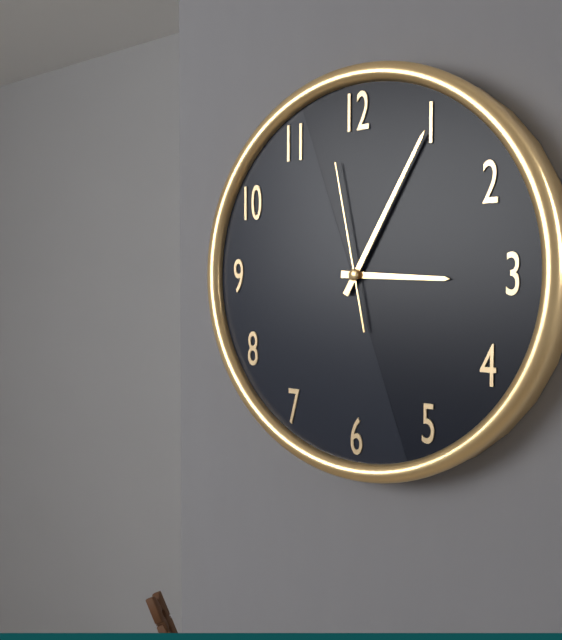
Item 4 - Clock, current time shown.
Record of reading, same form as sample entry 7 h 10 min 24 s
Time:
3 h 05 min 58 s
